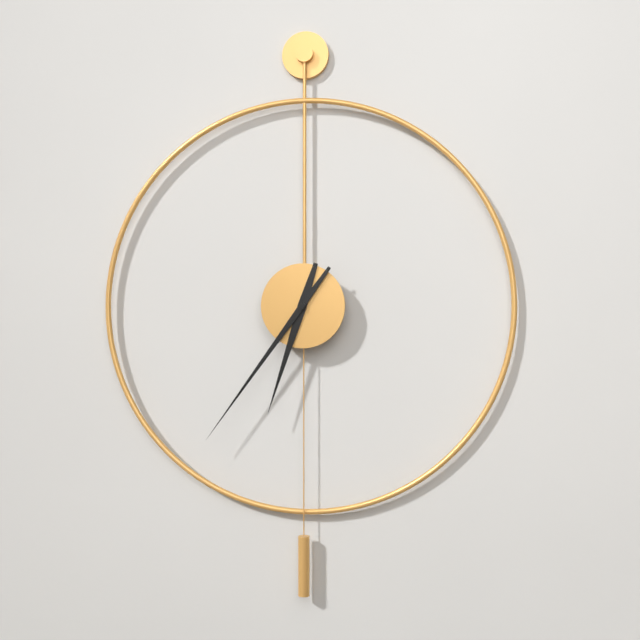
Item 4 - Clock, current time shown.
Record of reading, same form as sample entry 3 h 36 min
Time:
6 h 36 min
